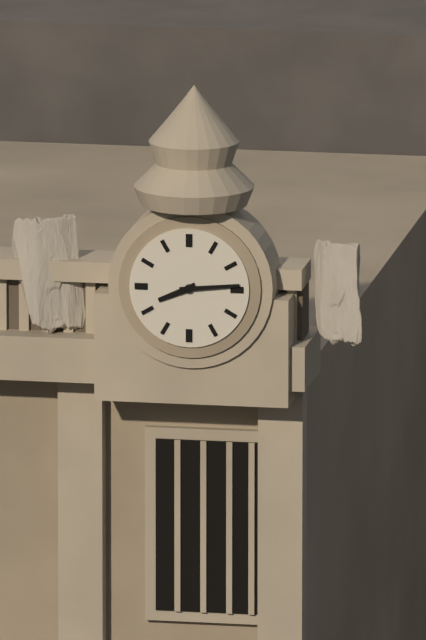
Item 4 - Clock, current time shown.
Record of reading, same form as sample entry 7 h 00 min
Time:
8 h 14 min
